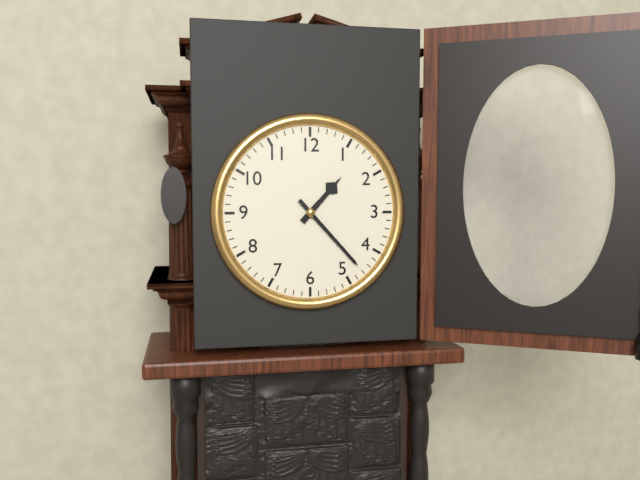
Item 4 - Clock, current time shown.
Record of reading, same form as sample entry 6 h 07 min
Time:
1 h 23 min
